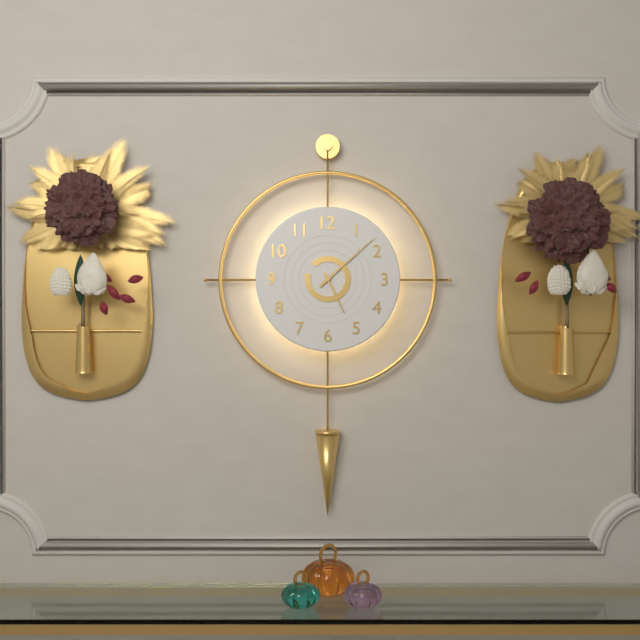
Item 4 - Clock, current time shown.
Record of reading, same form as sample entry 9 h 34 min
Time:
5 h 08 min
